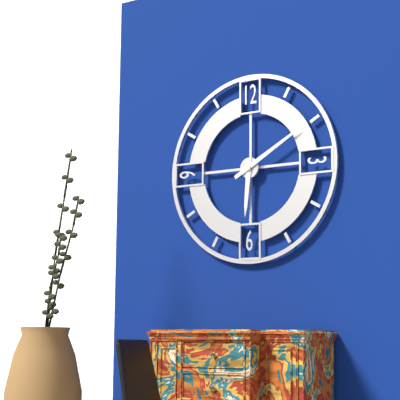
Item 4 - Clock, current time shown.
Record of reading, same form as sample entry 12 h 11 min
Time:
6 h 10 min
